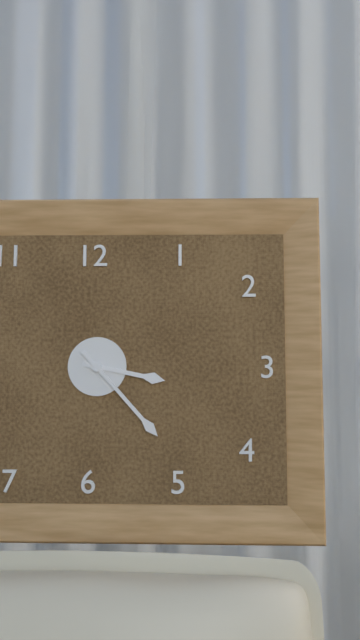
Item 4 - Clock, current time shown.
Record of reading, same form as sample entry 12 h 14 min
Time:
3 h 23 min
